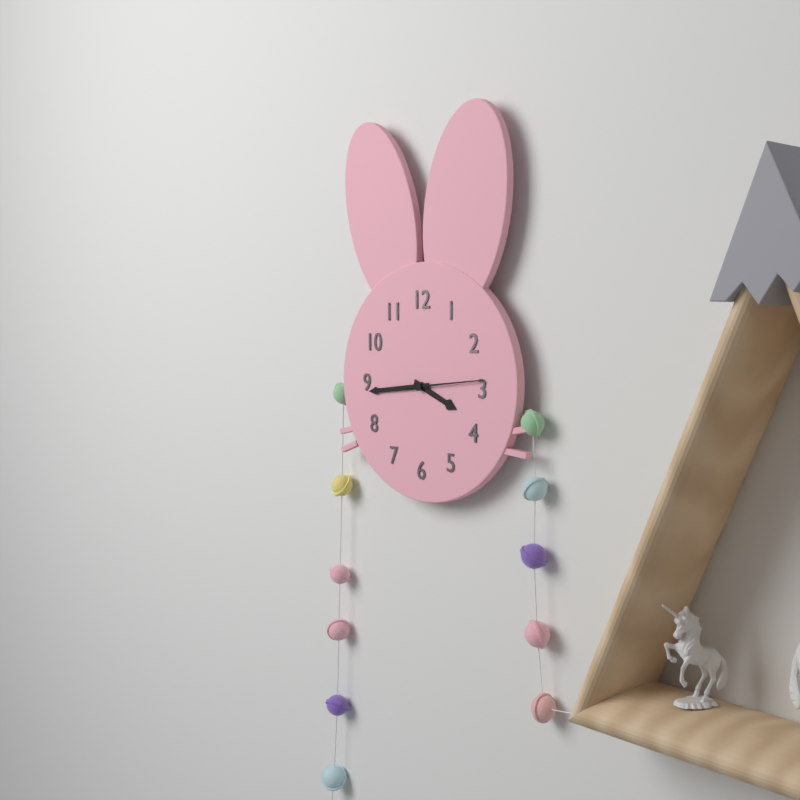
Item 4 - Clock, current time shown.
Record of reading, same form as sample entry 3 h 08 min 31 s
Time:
3 h 44 min 14 s
